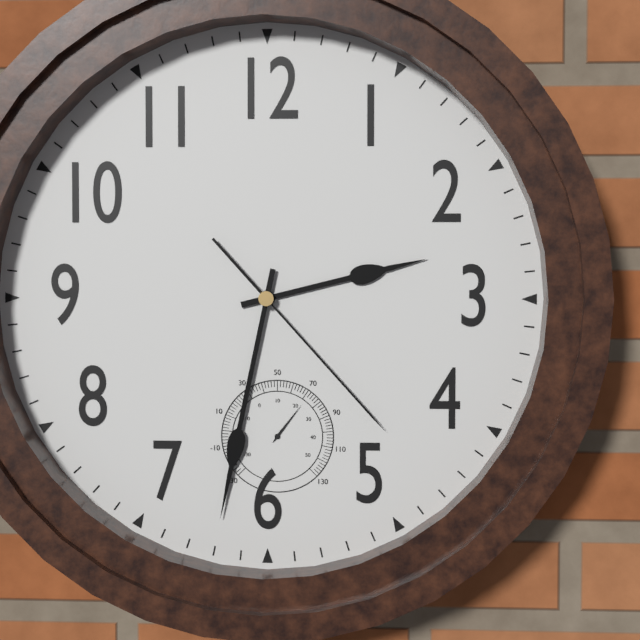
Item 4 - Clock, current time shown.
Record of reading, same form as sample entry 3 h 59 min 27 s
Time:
2 h 32 min 23 s
